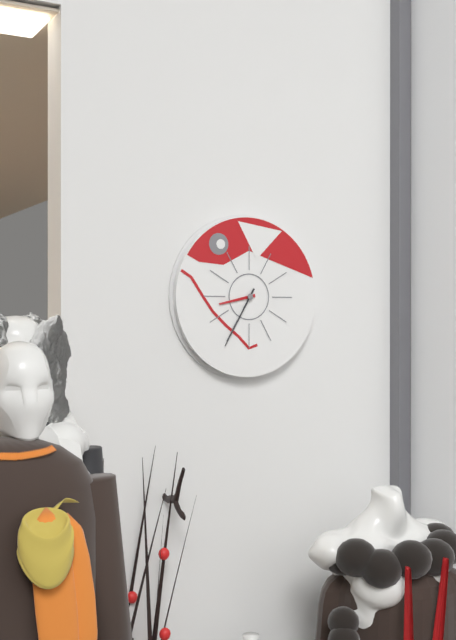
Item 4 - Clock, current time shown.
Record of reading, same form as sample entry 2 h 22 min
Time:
8 h 35 min
